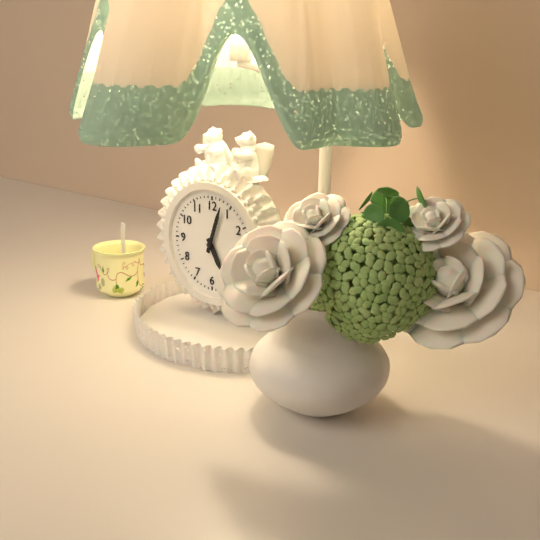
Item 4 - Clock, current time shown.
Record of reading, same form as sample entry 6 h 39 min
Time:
5 h 03 min
